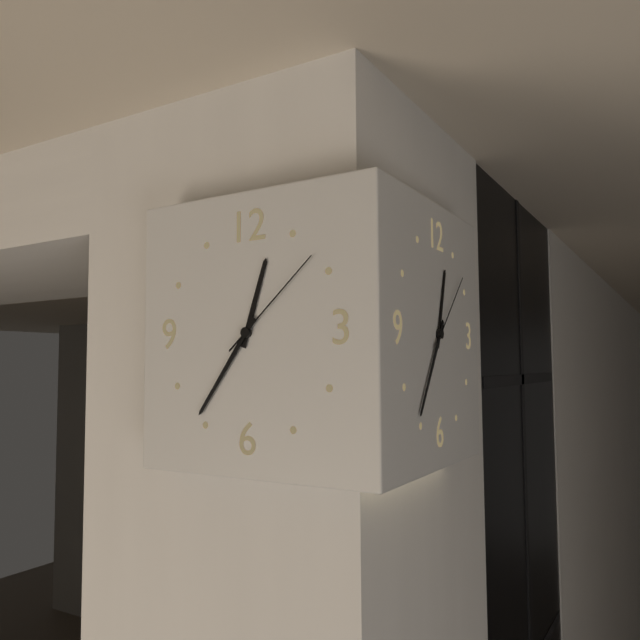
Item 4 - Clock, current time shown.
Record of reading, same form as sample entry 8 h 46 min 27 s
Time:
12 h 36 min 08 s
